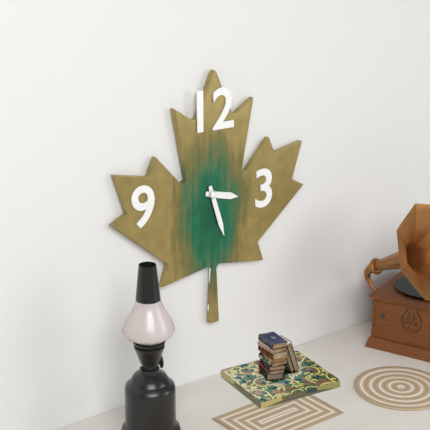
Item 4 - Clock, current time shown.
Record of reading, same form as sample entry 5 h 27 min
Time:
3 h 27 min
